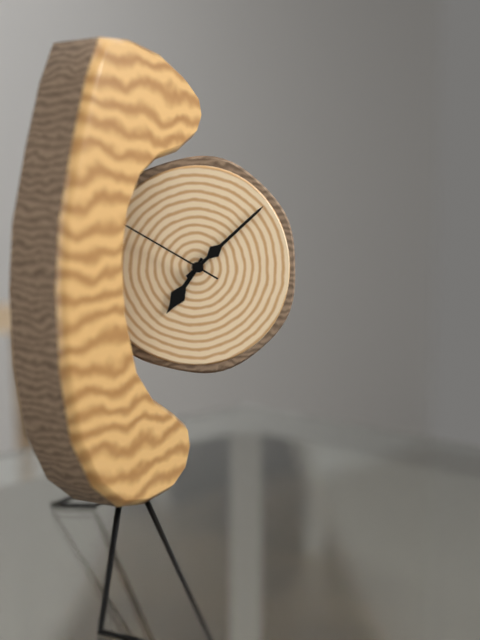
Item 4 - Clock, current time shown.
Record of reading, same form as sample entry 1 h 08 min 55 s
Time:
7 h 08 min 50 s
